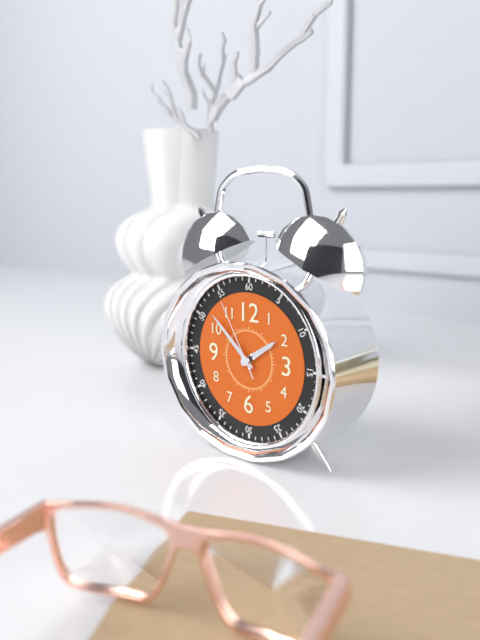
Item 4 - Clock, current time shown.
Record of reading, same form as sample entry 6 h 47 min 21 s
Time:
1 h 52 min 55 s
